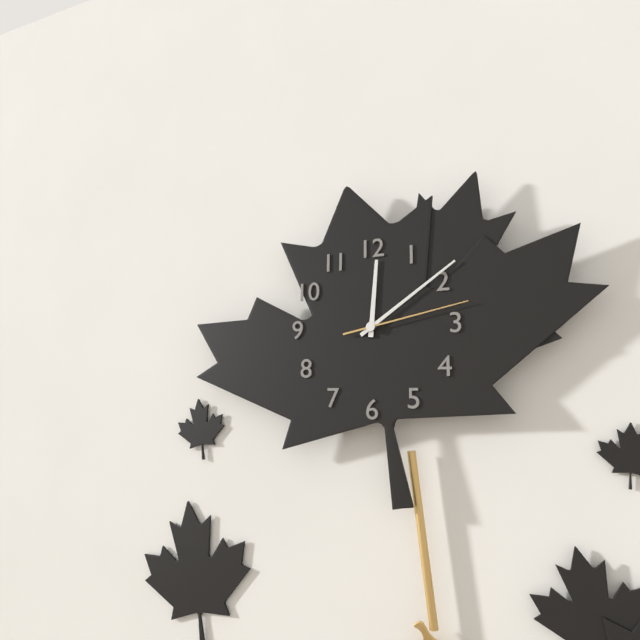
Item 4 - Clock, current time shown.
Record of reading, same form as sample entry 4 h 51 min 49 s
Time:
12 h 09 min 13 s
